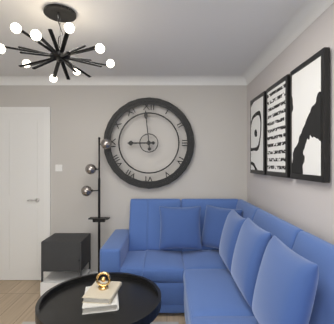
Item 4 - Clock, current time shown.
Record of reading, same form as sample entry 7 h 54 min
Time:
8 h 59 min
